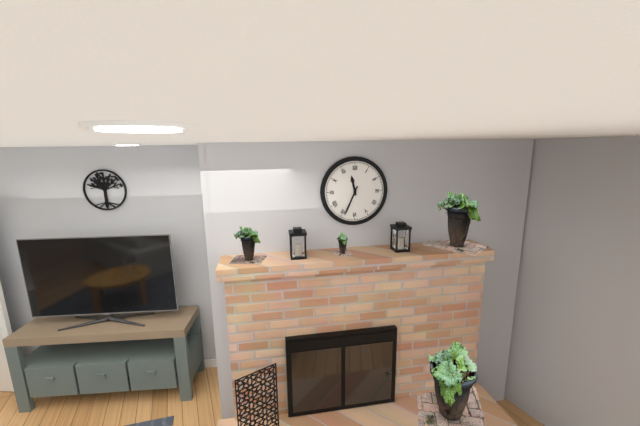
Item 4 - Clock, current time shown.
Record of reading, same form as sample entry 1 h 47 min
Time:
11 h 34 min
